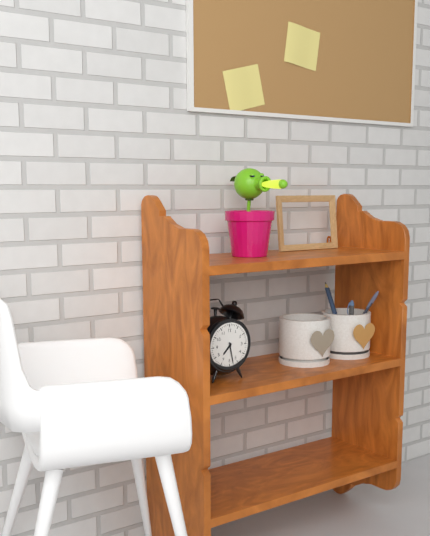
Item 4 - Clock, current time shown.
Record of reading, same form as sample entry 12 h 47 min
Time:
7 h 28 min
